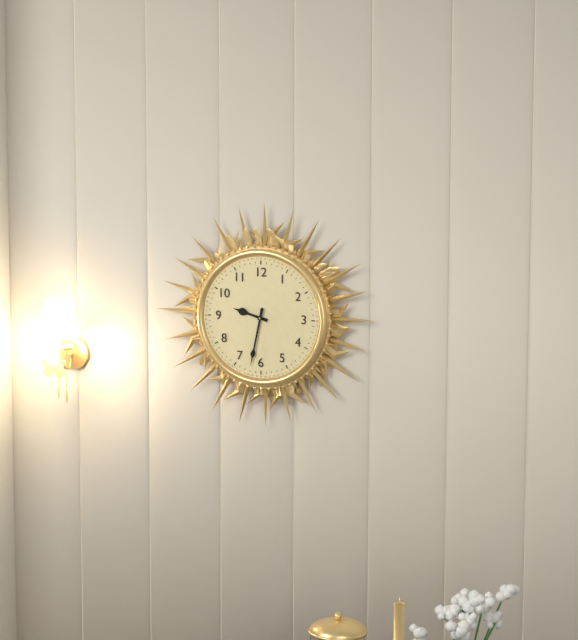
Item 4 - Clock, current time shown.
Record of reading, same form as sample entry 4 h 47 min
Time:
9 h 32 min
